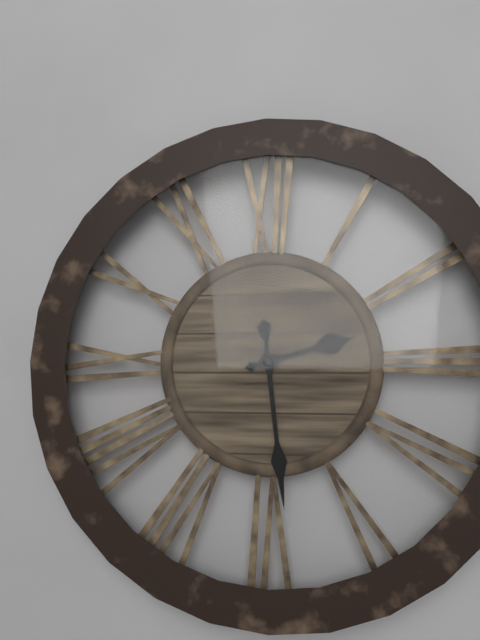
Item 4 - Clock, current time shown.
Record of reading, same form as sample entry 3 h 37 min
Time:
2 h 29 min
